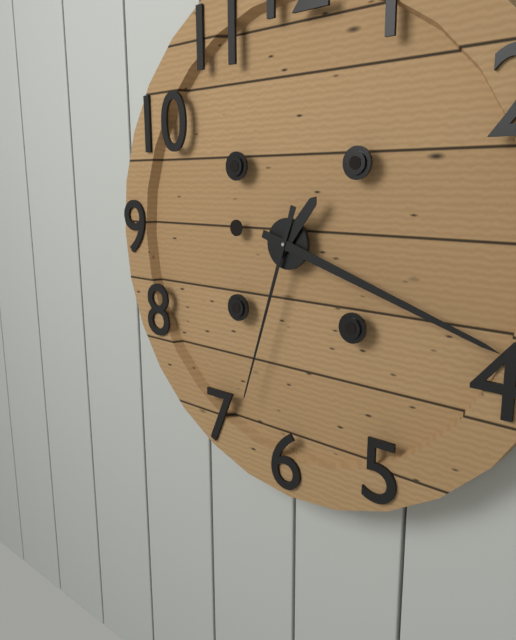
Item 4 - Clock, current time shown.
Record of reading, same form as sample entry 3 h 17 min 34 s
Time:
1 h 18 min 33 s
